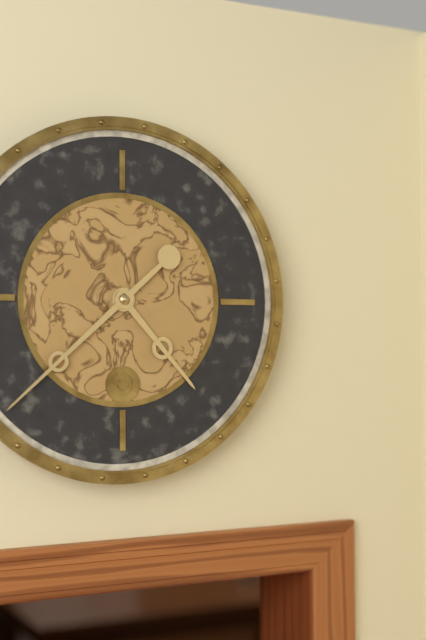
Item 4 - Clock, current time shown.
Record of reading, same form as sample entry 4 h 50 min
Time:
4 h 38 min
